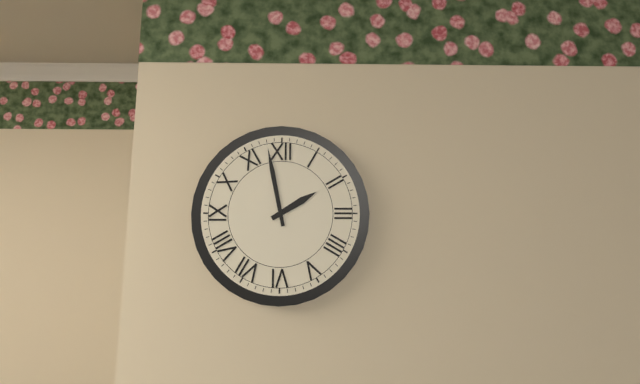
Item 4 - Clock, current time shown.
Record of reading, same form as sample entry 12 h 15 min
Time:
1 h 58 min
